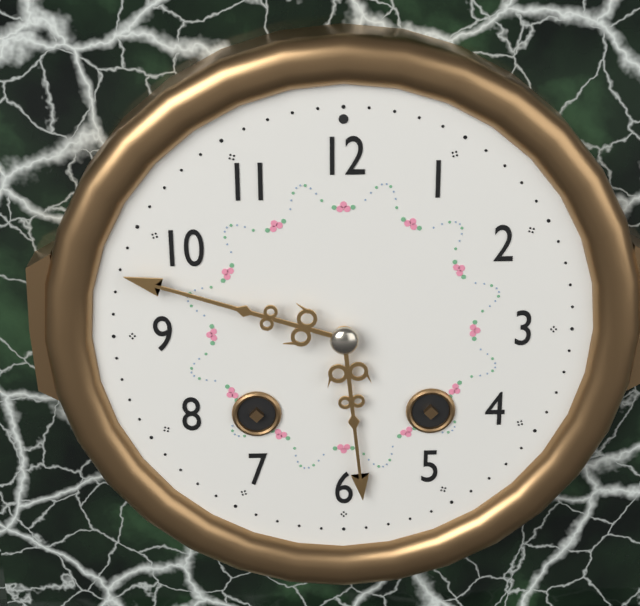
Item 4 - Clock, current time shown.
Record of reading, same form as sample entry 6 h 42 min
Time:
5 h 48 min
